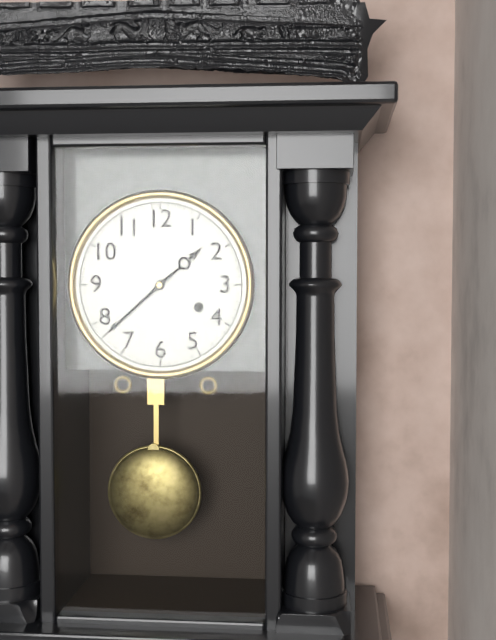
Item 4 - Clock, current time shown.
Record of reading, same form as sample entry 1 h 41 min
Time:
1 h 38 min
